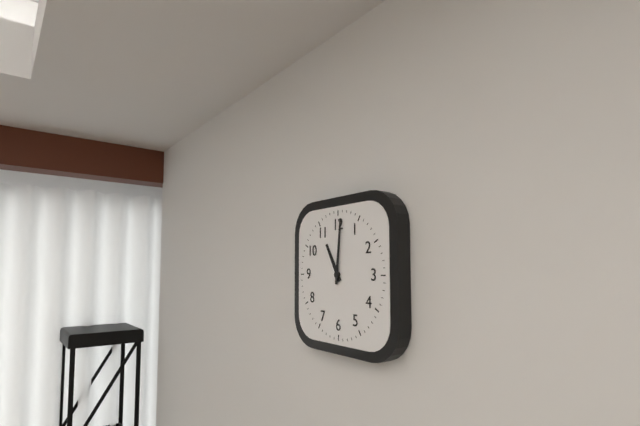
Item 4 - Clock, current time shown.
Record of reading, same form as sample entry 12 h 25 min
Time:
11 h 01 min
